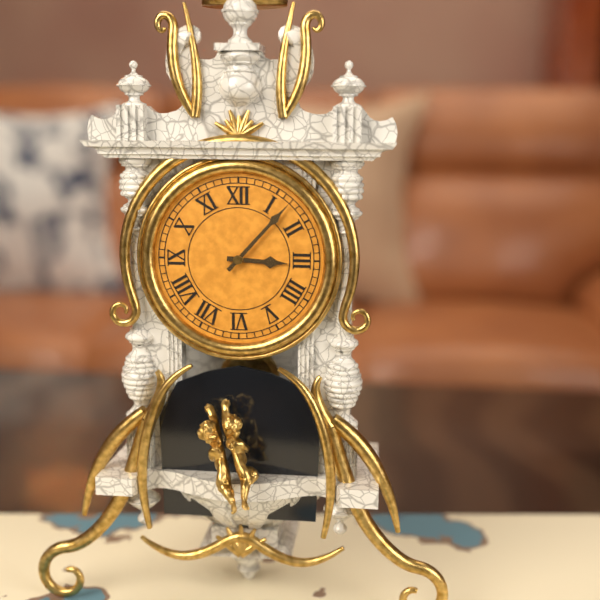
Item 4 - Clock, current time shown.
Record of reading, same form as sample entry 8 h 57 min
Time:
3 h 07 min
